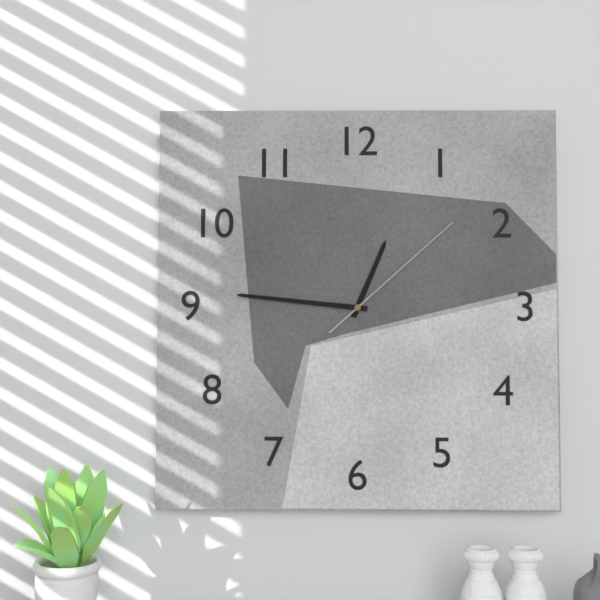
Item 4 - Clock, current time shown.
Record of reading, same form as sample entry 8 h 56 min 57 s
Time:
12 h 46 min 08 s
